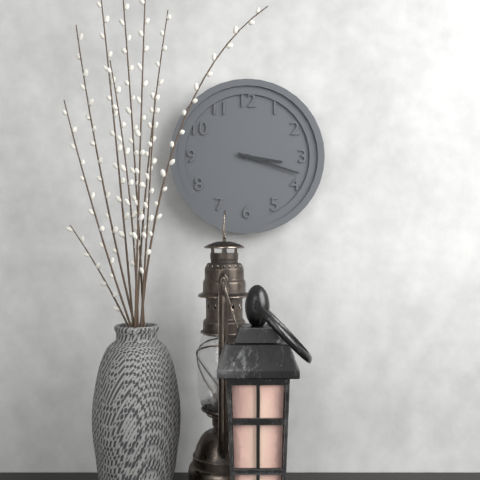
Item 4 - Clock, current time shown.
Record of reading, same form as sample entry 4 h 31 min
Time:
3 h 18 min
